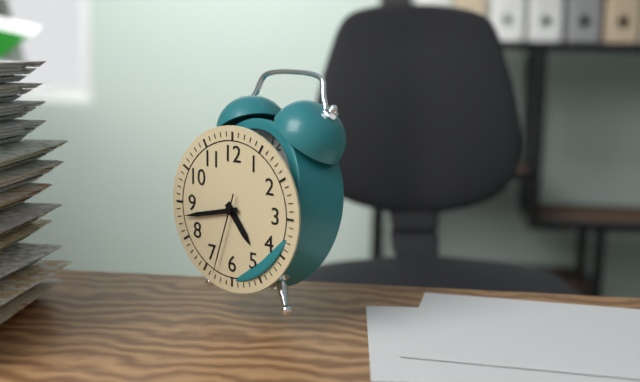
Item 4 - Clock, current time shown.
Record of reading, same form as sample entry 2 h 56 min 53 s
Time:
4 h 43 min 33 s
